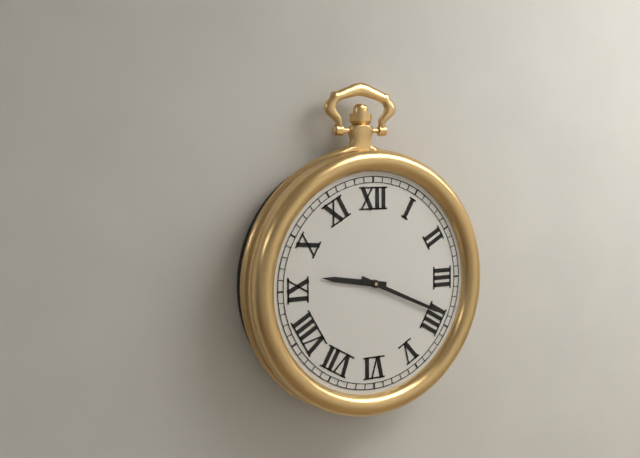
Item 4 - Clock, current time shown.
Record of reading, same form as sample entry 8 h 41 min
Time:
9 h 19 min
